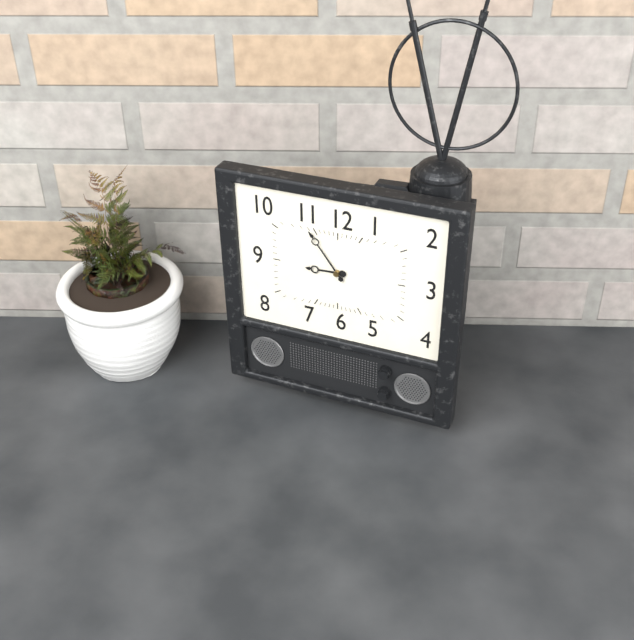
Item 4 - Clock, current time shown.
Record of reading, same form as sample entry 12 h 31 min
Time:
8 h 54 min
